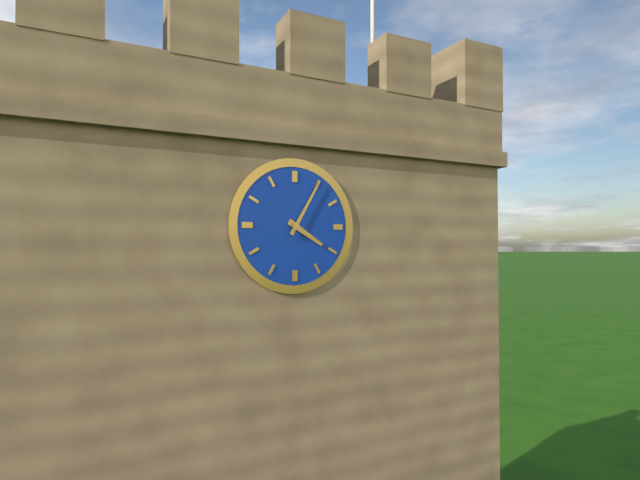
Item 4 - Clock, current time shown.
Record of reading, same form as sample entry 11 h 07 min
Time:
4 h 05 min
